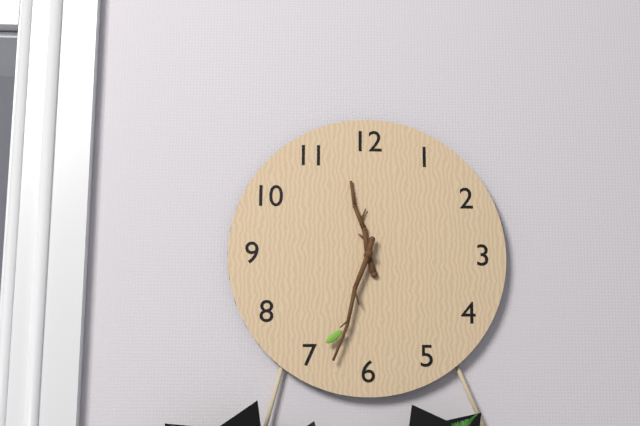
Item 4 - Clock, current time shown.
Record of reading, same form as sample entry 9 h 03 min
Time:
11 h 33 min
